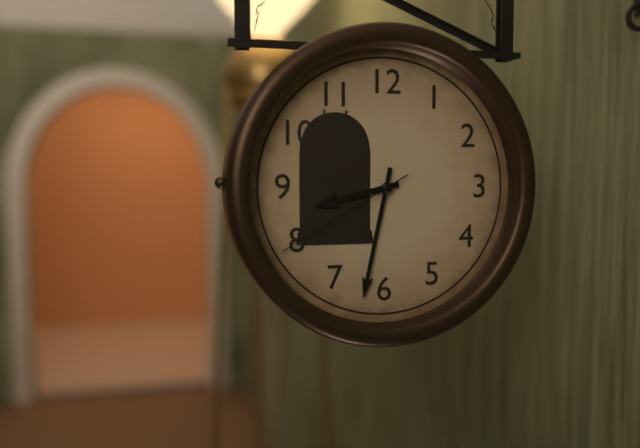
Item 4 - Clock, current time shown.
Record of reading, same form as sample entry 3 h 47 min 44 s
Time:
8 h 32 min 40 s
